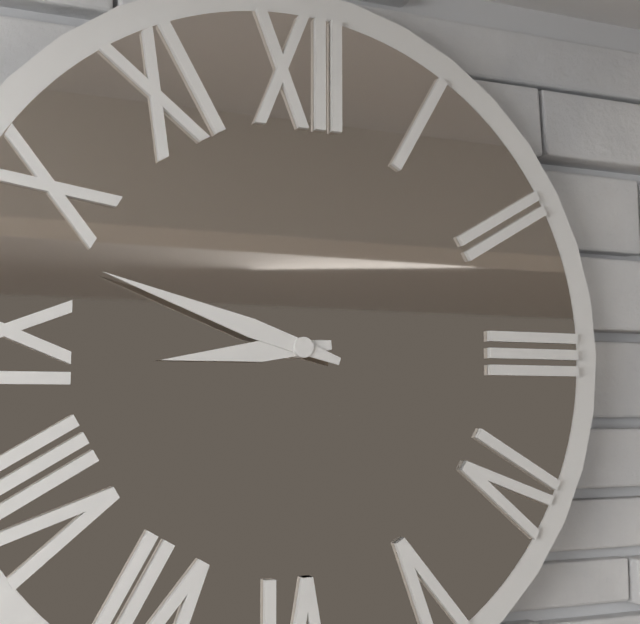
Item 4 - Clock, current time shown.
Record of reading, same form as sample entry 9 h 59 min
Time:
8 h 48 min
